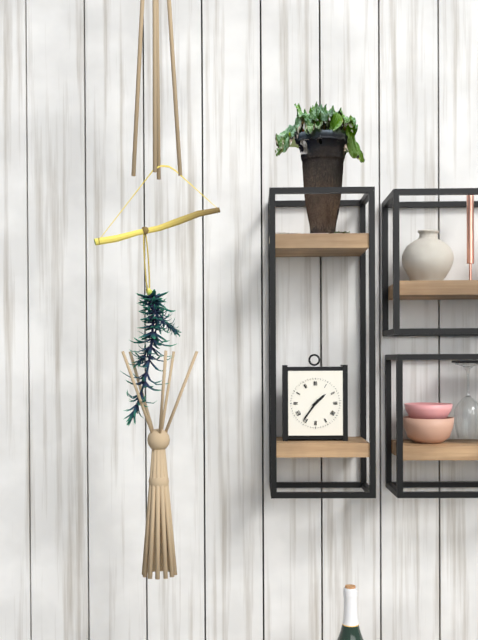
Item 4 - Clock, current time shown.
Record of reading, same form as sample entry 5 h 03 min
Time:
1 h 36 min
